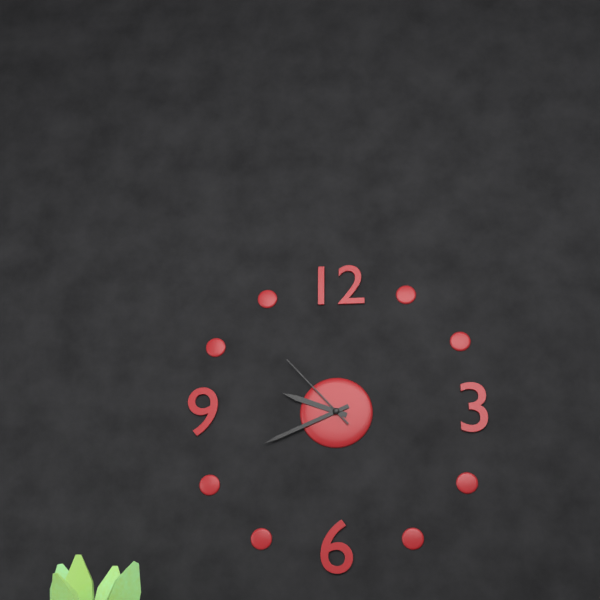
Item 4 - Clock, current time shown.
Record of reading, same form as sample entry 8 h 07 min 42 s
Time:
9 h 41 min 53 s
